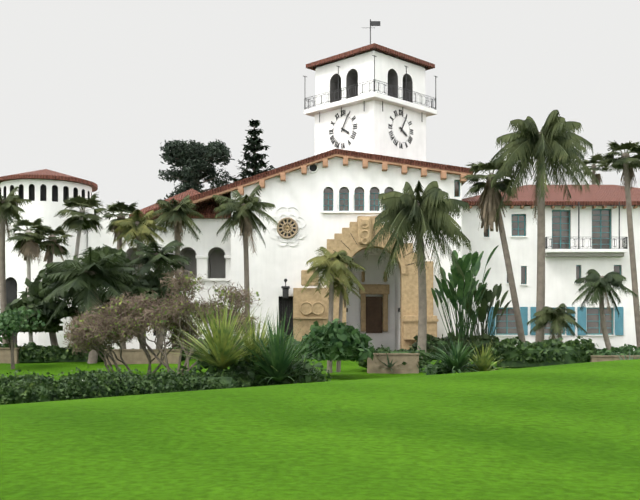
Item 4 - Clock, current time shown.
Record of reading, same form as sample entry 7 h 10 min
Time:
4 h 05 min
